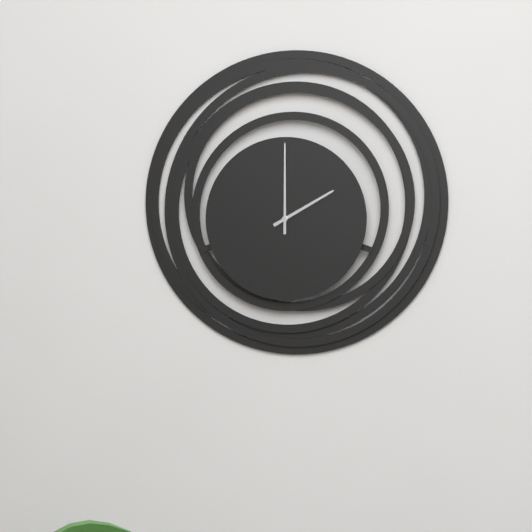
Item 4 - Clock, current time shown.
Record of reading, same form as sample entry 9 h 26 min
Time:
2 h 00 min
